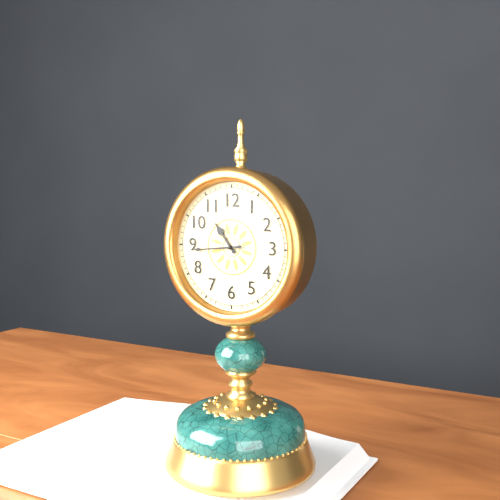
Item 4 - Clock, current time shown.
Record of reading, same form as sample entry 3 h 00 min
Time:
10 h 44 min
